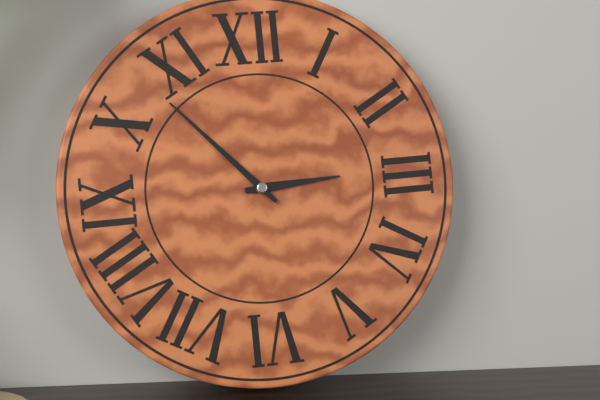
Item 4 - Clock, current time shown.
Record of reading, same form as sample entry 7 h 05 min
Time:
2 h 53 min
